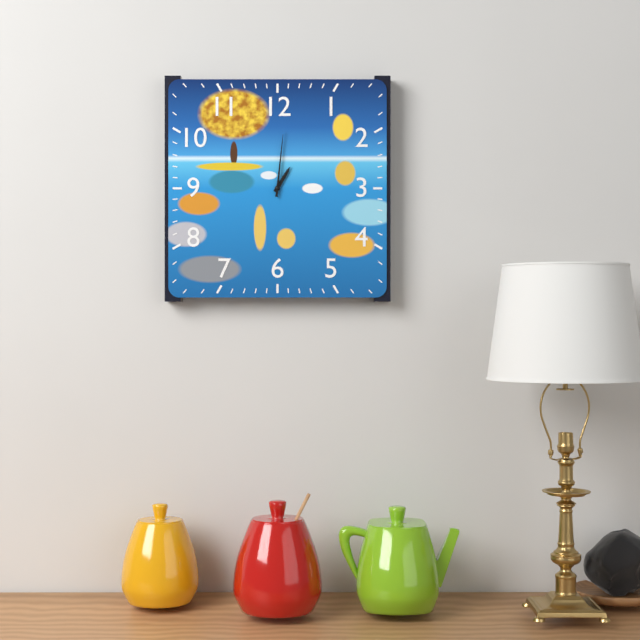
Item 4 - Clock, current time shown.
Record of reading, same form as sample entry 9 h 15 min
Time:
1 h 01 min
